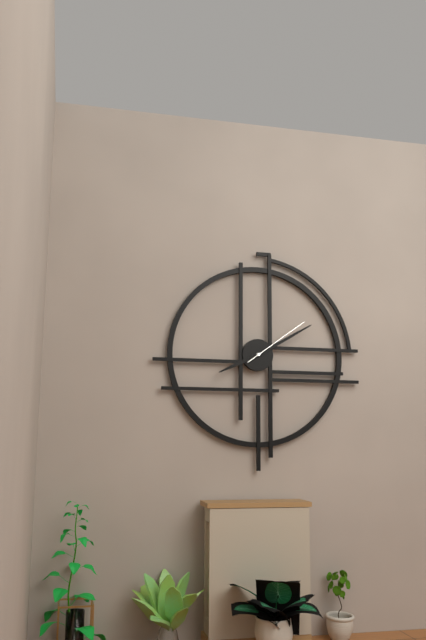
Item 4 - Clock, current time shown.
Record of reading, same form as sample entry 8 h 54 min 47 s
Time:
8 h 10 min 09 s
